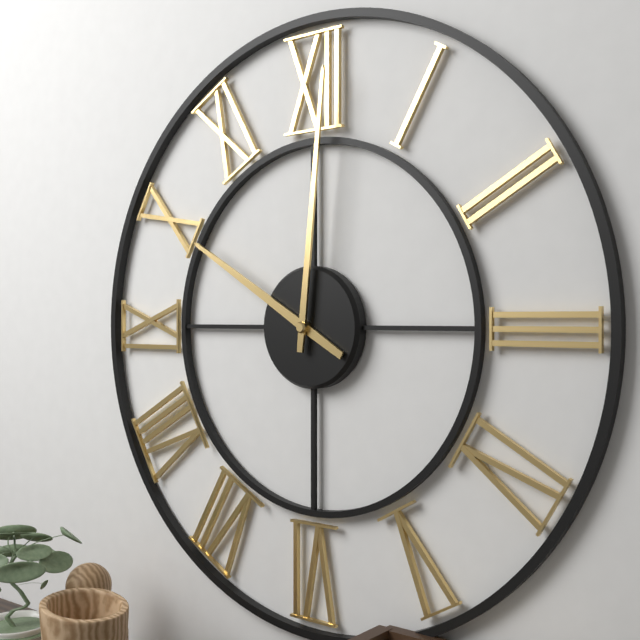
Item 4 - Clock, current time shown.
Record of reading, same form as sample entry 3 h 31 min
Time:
10 h 01 min
